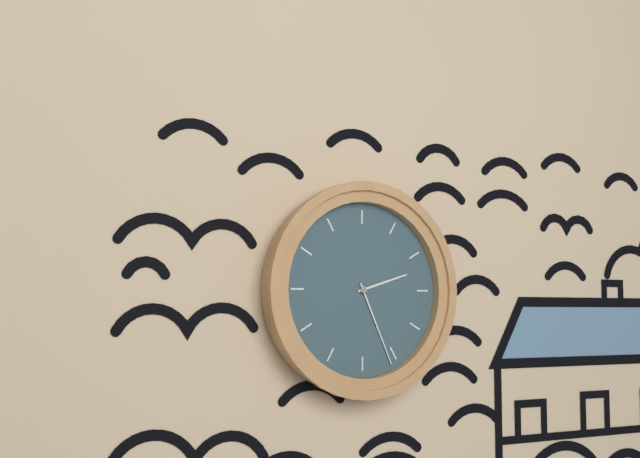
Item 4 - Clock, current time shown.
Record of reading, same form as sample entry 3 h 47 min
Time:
2 h 26 min
